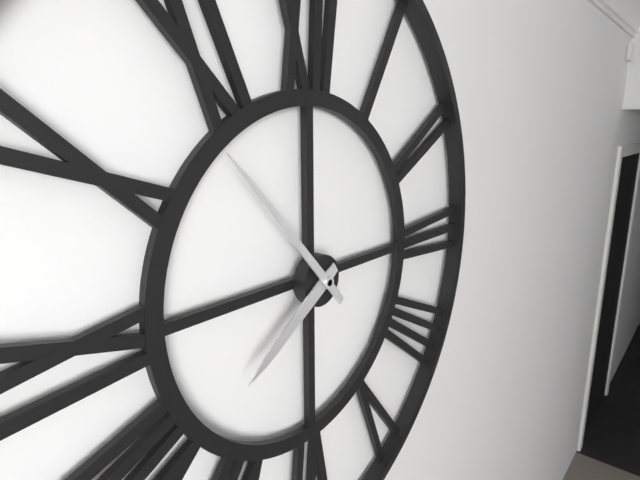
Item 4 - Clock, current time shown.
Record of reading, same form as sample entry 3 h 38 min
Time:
7 h 53 min
